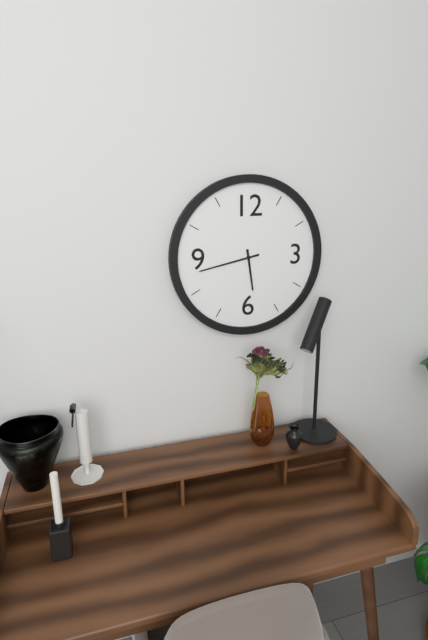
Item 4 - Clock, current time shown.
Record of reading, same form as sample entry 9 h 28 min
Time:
5 h 43 min
